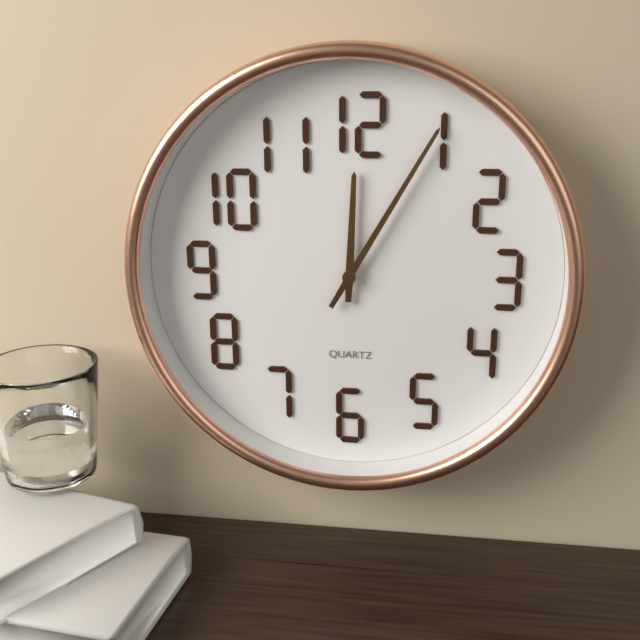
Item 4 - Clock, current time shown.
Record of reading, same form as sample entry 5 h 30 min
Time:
12 h 05 min
